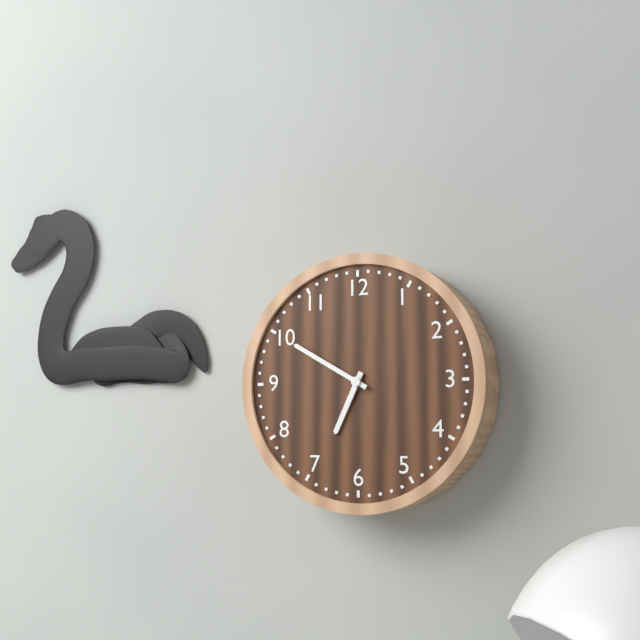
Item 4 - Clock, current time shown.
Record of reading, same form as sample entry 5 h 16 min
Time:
6 h 50 min
